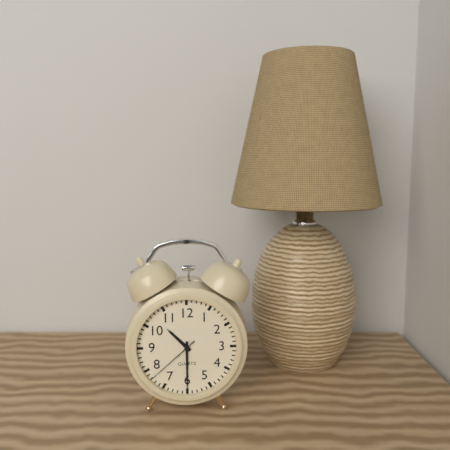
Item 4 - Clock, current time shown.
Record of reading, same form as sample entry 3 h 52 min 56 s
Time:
10 h 30 min 38 s
